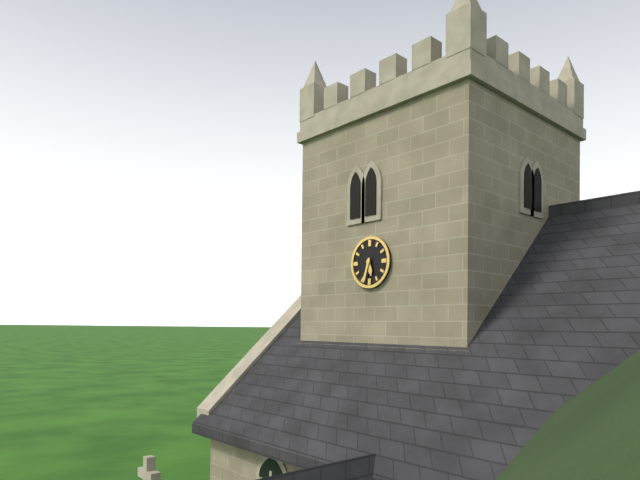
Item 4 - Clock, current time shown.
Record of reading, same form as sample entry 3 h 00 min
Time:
5 h 33 min
